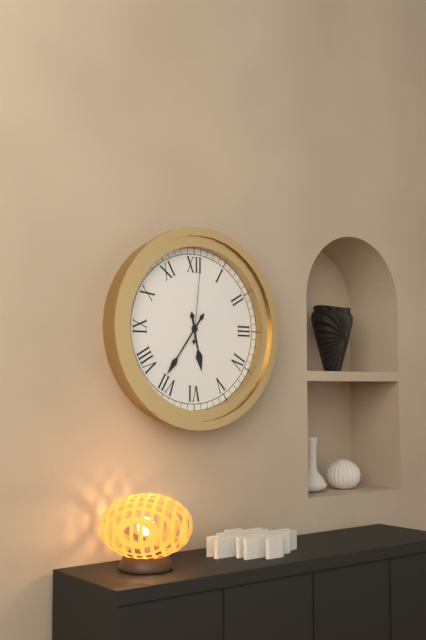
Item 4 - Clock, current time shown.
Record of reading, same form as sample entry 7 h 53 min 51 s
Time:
5 h 36 min 01 s
